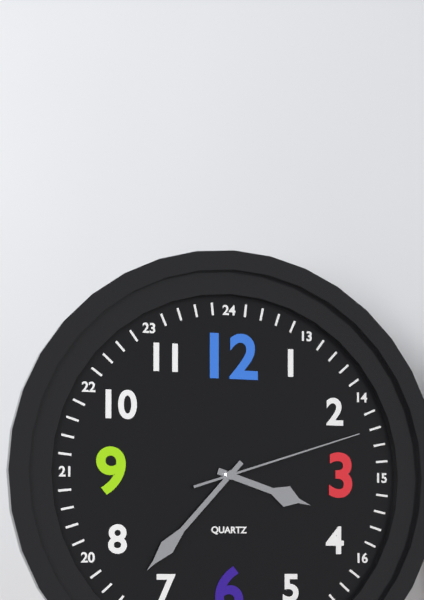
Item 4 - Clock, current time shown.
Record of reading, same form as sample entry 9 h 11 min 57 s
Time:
3 h 37 min 12 s
